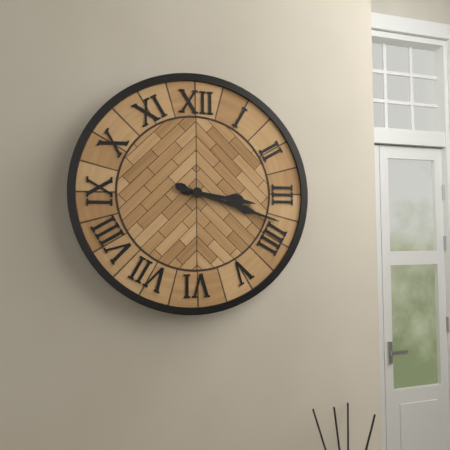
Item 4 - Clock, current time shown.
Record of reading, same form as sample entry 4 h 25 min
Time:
3 h 18 min
